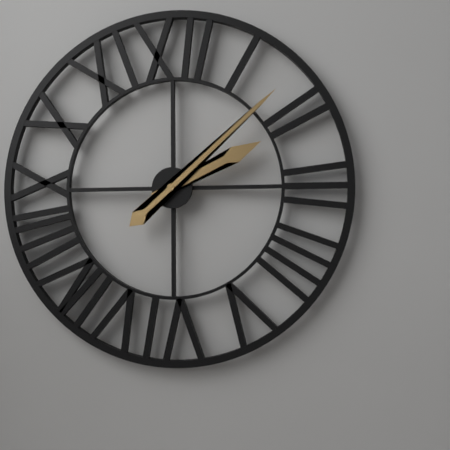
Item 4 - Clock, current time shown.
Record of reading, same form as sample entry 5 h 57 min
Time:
2 h 08 min
